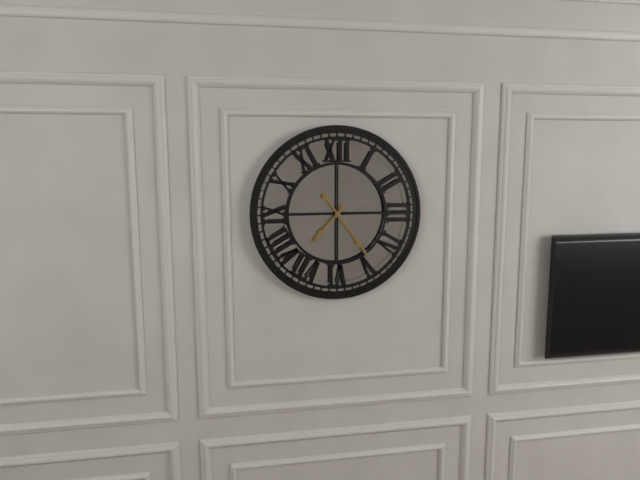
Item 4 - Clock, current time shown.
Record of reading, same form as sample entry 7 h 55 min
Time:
7 h 24 min
